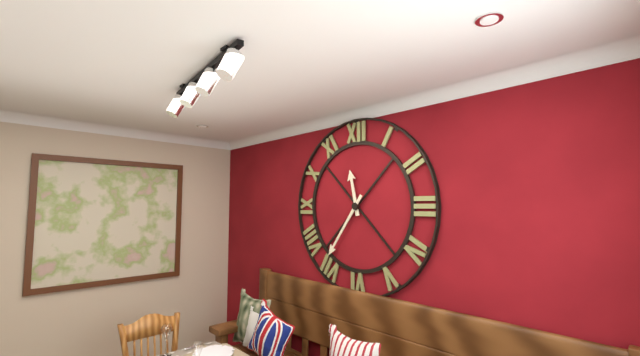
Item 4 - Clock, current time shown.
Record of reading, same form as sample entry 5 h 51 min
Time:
11 h 36 min
